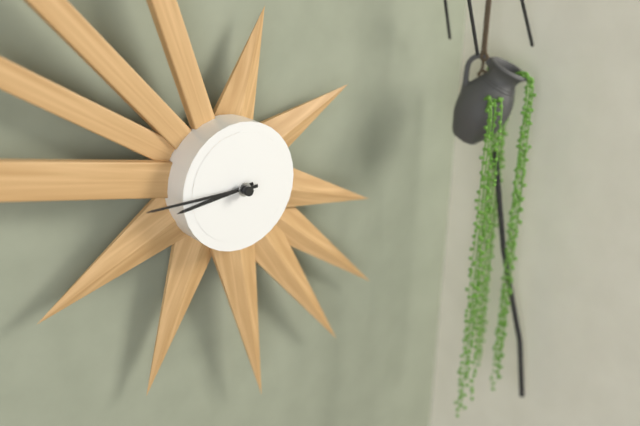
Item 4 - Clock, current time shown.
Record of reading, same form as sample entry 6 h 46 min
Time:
8 h 45 min
